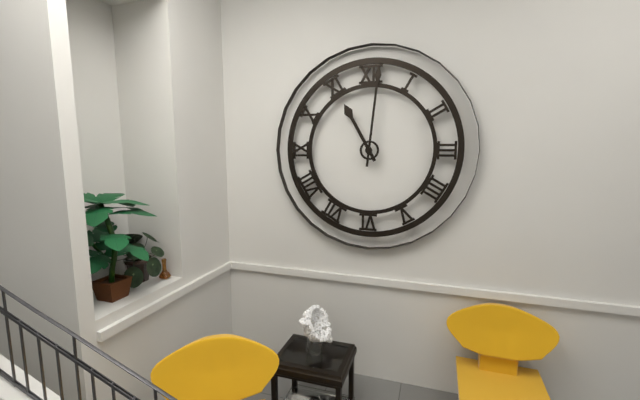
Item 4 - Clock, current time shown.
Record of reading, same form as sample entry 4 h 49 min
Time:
11 h 01 min
